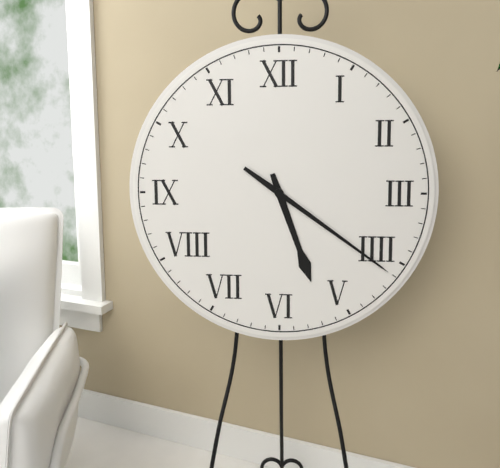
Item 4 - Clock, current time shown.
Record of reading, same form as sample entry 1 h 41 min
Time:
5 h 21 min
